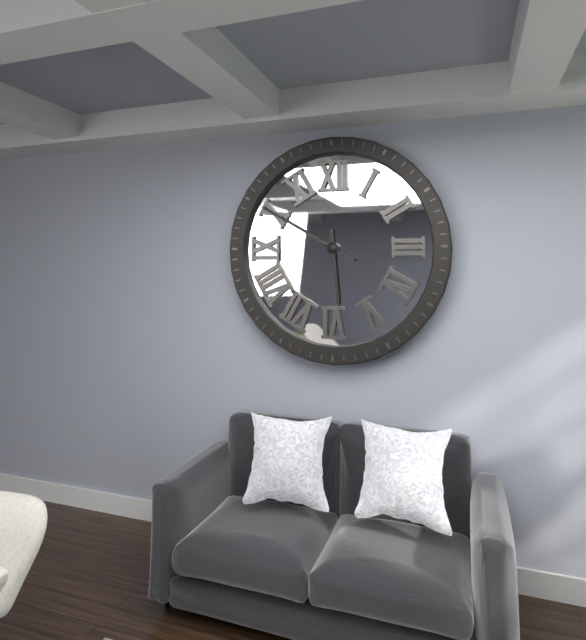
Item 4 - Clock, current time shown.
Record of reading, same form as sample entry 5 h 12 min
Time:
5 h 50 min
